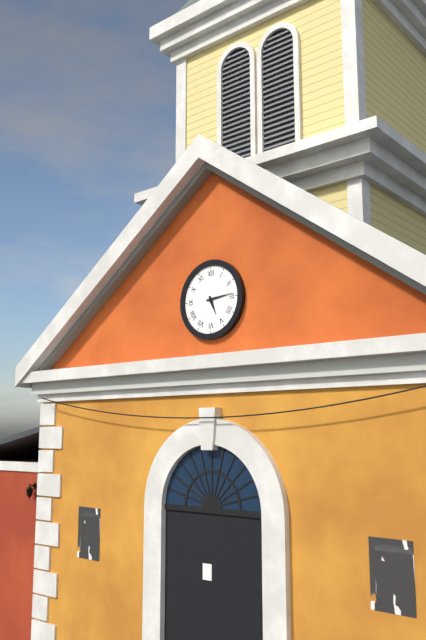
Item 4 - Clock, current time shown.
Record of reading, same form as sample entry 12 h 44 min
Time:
5 h 14 min
